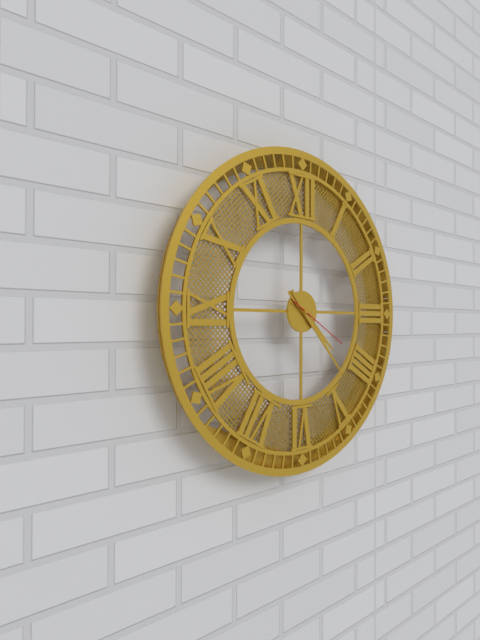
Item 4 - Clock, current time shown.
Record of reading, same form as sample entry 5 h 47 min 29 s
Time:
4 h 23 min 20 s
